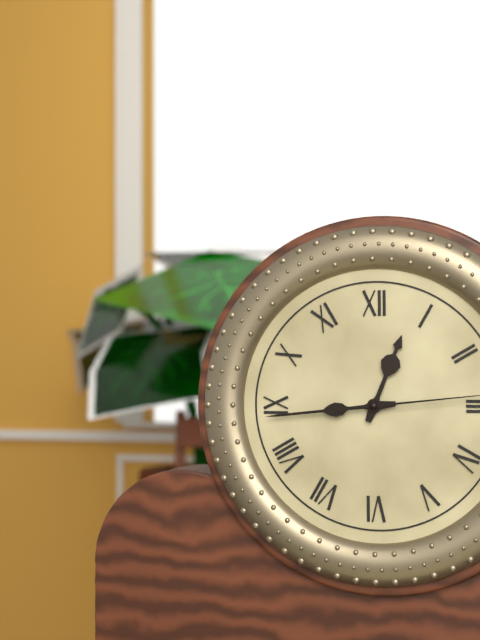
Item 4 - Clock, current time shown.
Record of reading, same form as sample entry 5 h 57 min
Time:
12 h 44 min
